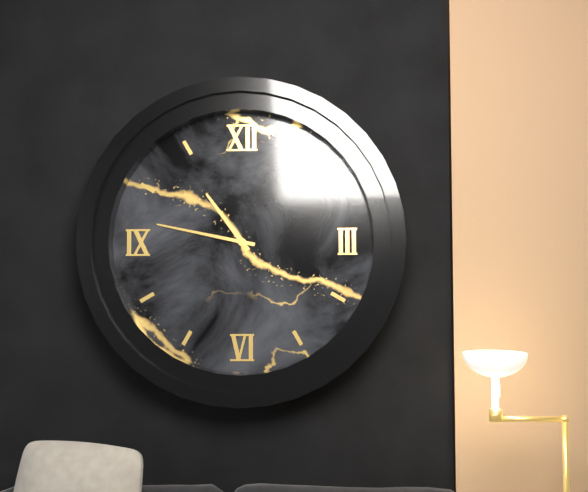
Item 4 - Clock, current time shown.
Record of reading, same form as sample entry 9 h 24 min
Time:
10 h 47 min
